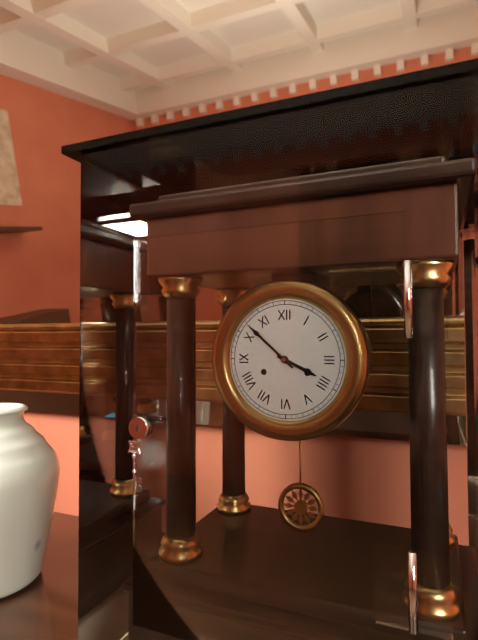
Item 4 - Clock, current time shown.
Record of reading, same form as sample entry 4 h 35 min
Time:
3 h 52 min
